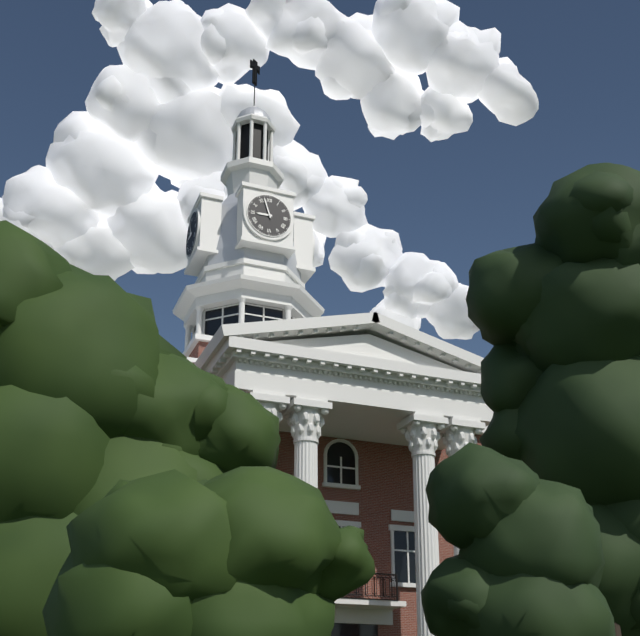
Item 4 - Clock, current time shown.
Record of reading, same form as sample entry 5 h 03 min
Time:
8 h 57 min
